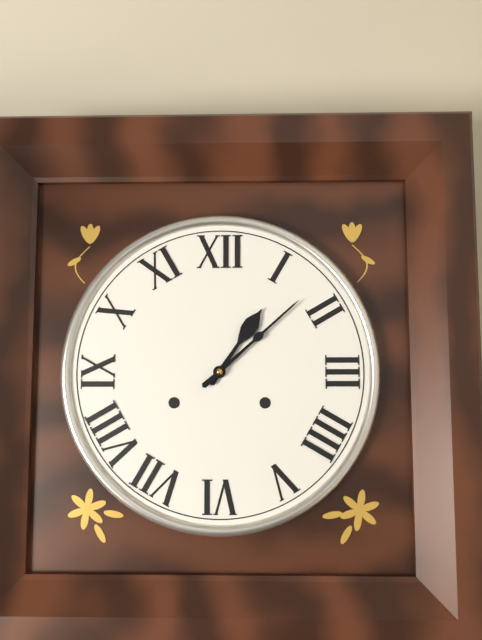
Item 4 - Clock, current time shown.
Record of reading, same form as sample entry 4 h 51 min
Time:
1 h 08 min
